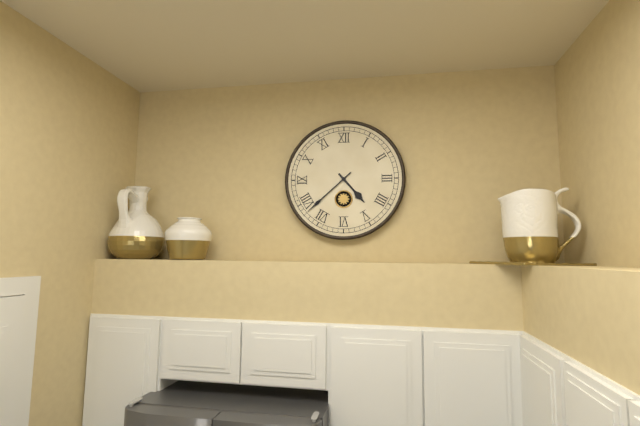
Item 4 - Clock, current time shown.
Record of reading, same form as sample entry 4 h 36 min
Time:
4 h 38 min
